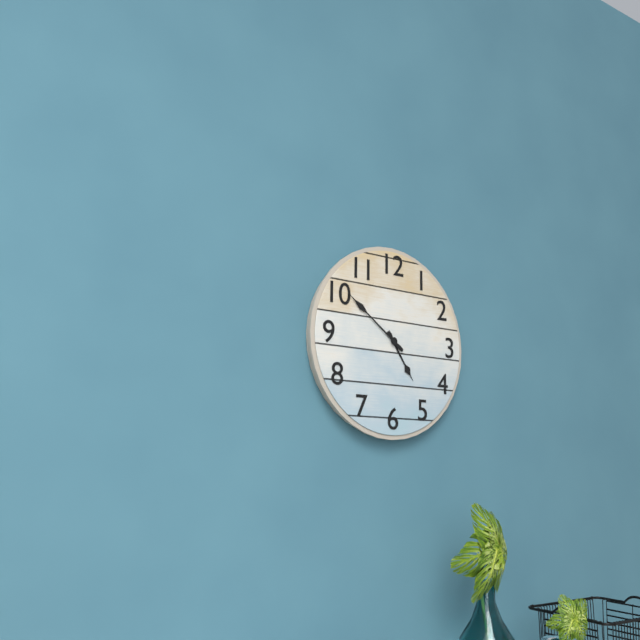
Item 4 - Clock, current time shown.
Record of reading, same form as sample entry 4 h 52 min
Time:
4 h 51 min
